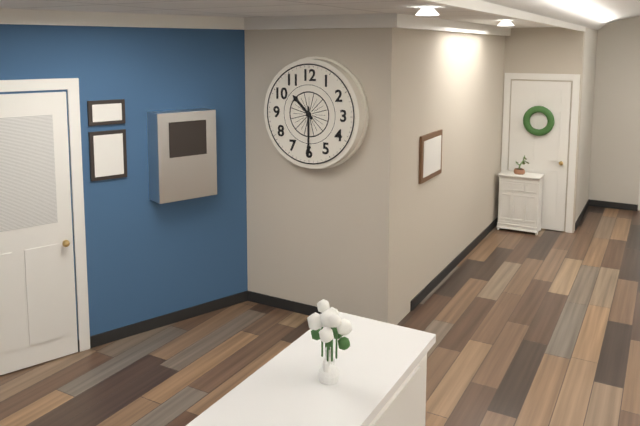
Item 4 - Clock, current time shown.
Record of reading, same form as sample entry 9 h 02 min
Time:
10 h 30 min
